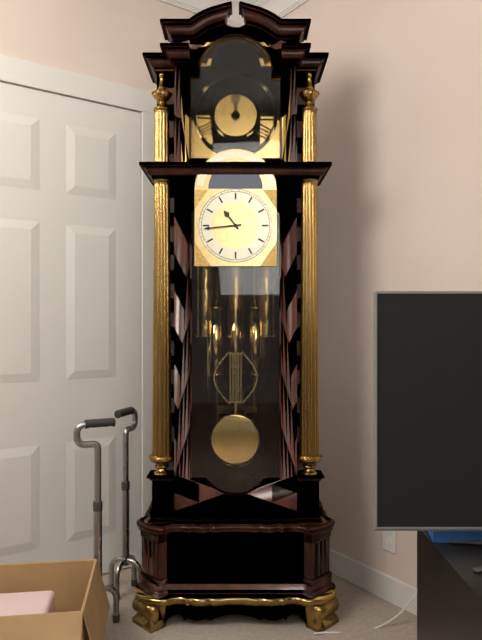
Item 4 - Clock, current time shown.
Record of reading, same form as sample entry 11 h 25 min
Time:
10 h 44 min
